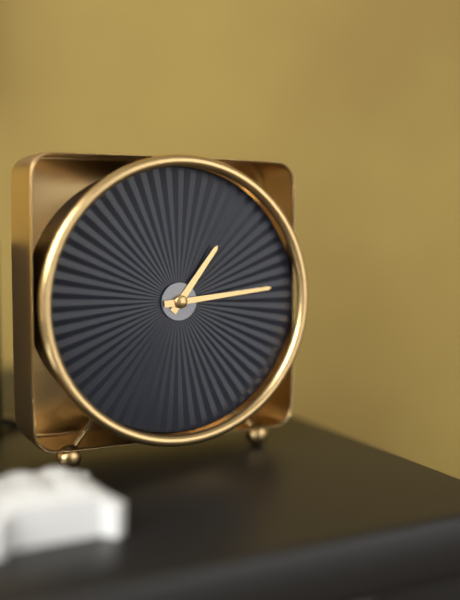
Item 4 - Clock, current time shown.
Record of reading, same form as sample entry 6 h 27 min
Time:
1 h 14 min
